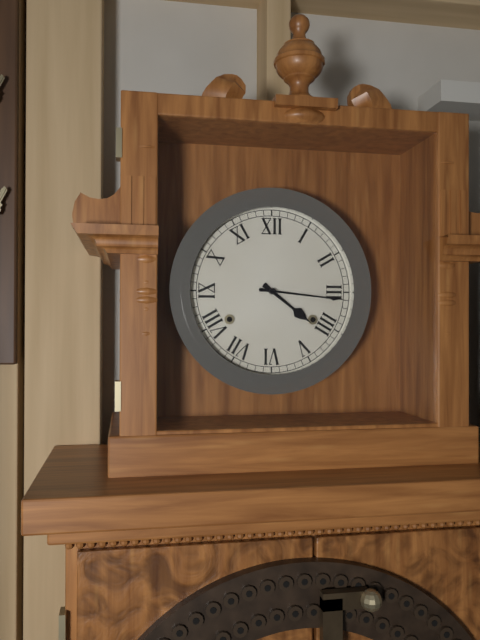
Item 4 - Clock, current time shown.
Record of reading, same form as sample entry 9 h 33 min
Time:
4 h 16 min
